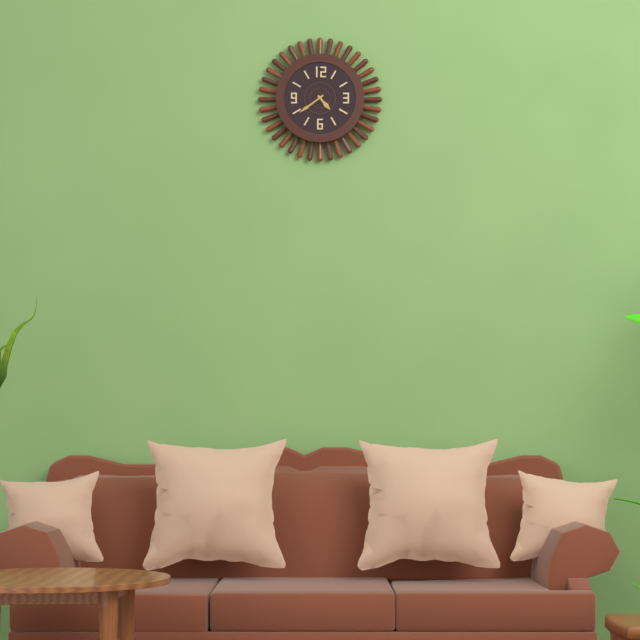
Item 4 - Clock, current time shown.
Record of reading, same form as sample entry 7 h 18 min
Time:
4 h 39 min
